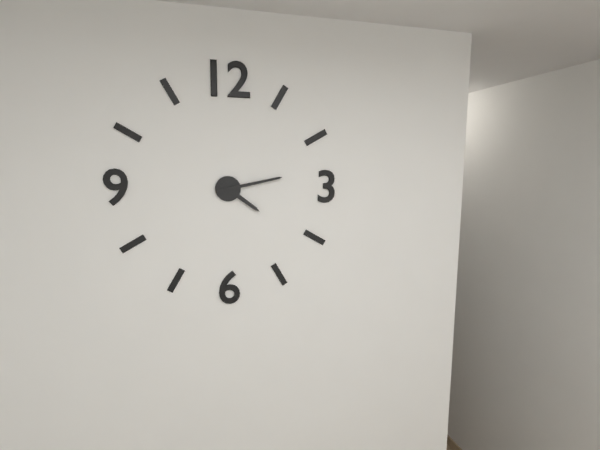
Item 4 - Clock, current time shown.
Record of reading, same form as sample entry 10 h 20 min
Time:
4 h 13 min
